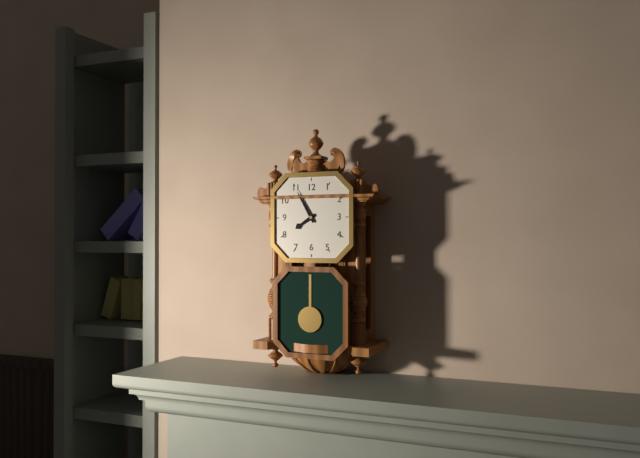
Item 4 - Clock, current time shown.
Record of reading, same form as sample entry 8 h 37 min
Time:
7 h 55 min
